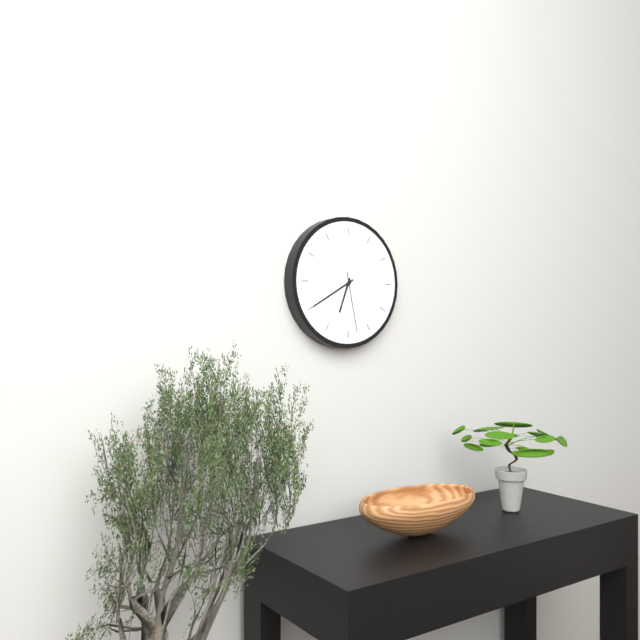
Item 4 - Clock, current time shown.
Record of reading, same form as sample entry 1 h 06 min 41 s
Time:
6 h 40 min 28 s
